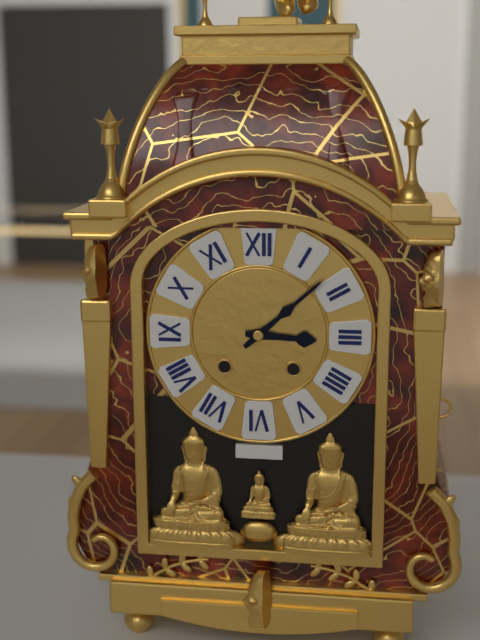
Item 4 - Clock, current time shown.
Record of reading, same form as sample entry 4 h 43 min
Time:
3 h 08 min
